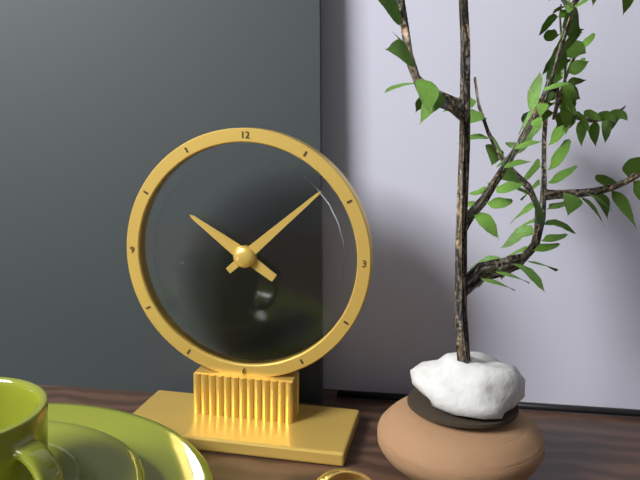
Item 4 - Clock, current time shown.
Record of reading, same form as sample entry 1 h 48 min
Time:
10 h 08 min
